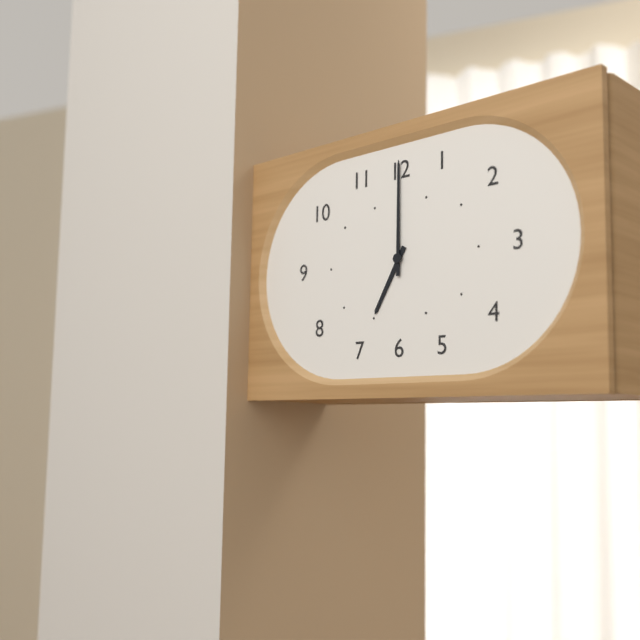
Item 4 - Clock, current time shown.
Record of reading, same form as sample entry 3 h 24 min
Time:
7 h 00 min
